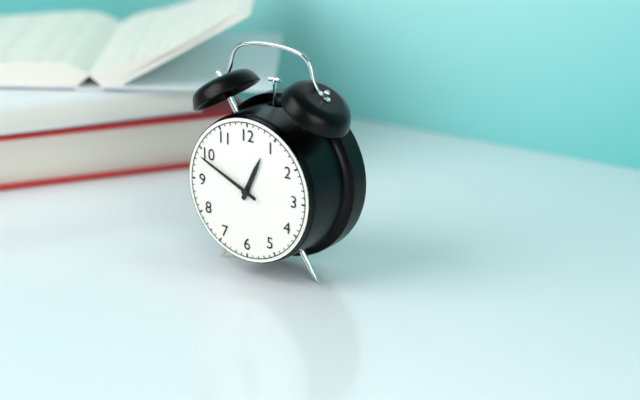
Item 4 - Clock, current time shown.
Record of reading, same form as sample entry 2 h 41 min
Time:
12 h 49 min
